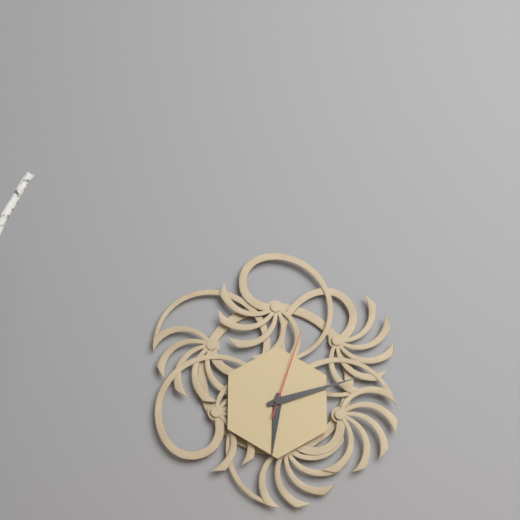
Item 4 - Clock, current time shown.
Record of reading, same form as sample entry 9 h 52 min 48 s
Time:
6 h 12 min 03 s
